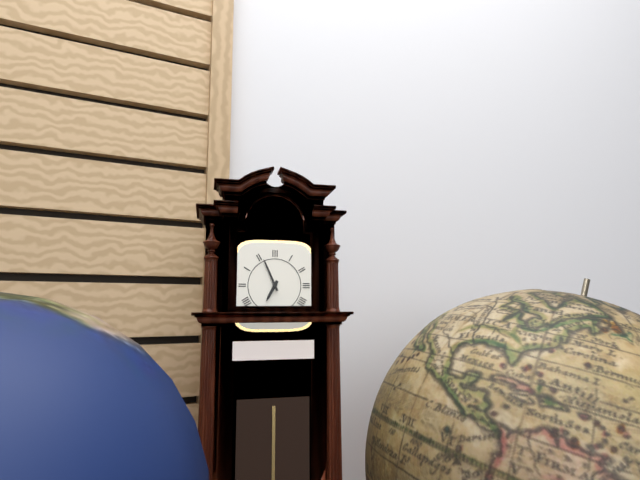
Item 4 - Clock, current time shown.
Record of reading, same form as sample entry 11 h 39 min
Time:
6 h 56 min
